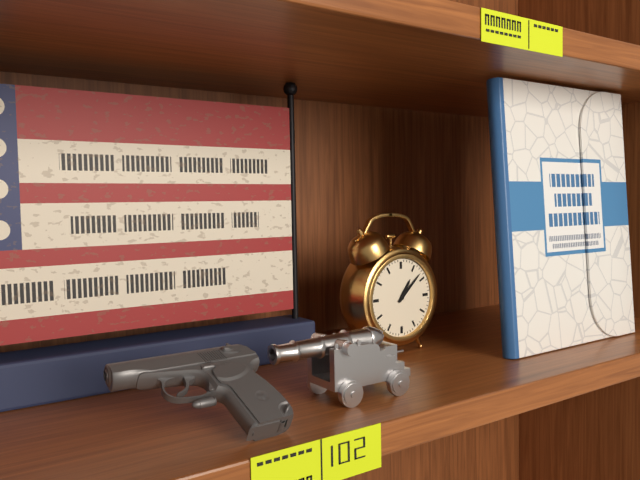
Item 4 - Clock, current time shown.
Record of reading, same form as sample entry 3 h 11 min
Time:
1 h 08 min
